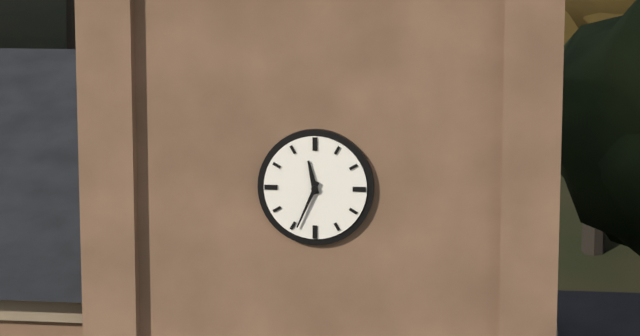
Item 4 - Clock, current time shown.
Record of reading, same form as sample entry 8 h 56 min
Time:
11 h 34 min
